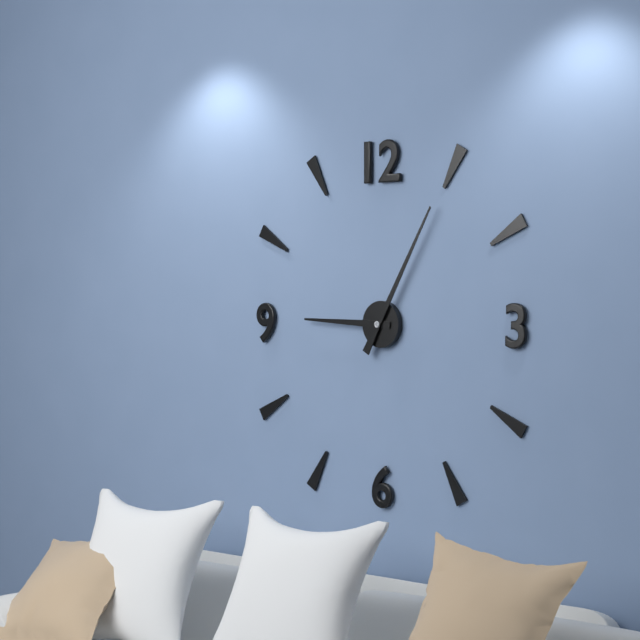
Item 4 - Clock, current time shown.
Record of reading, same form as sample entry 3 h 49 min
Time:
9 h 05 min
